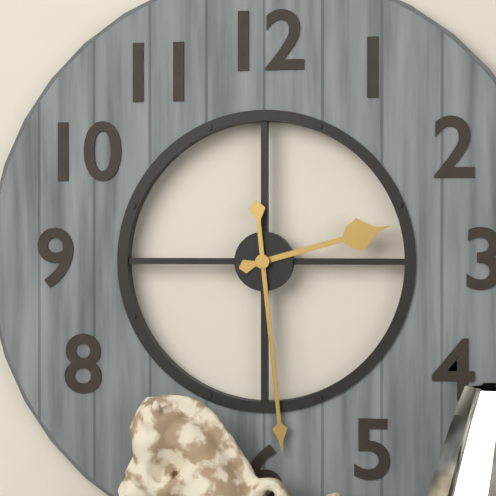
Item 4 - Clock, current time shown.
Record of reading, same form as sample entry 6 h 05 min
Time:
2 h 29 min
